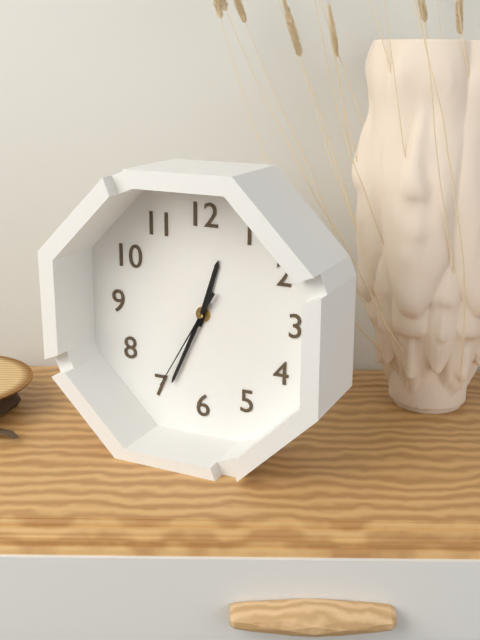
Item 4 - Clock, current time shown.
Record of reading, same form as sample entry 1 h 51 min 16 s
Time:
12 h 34 min 35 s
